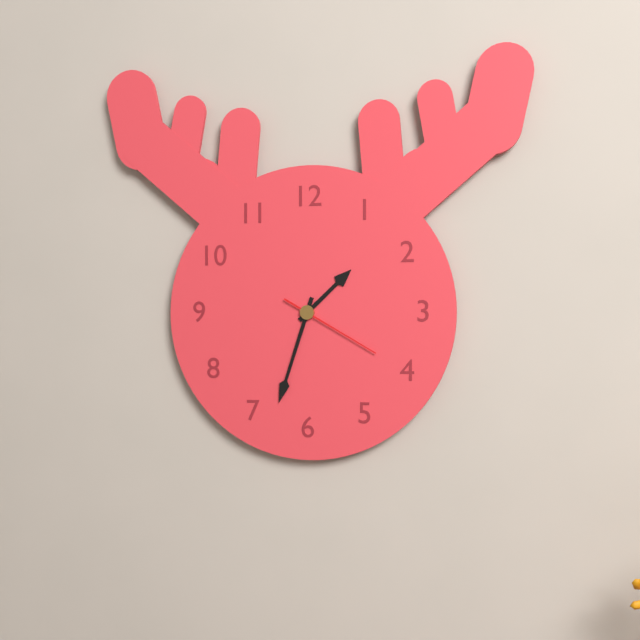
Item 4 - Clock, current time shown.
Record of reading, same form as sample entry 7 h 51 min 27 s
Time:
1 h 33 min 20 s
